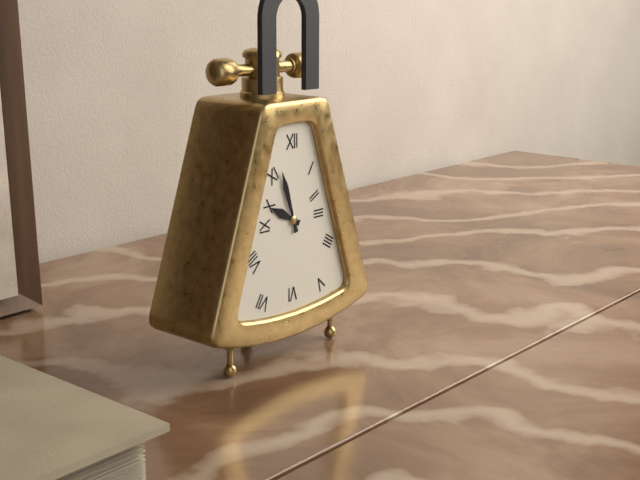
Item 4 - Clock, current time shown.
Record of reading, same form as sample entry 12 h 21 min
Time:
9 h 57 min
